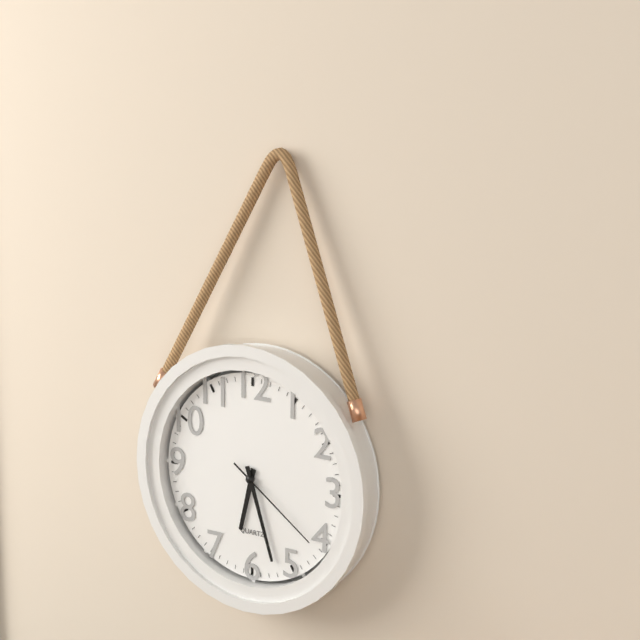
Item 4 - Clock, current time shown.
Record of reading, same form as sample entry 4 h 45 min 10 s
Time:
6 h 27 min 21 s
